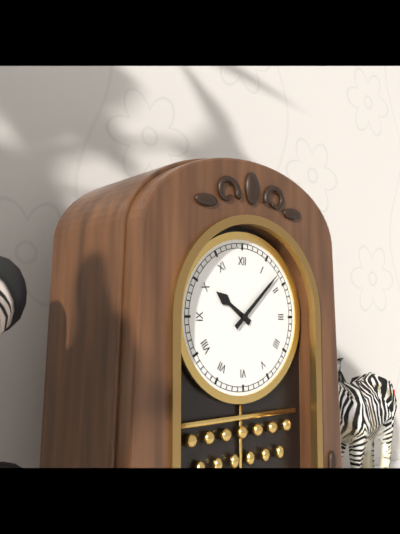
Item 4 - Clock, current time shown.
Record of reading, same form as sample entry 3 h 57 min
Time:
10 h 08 min
